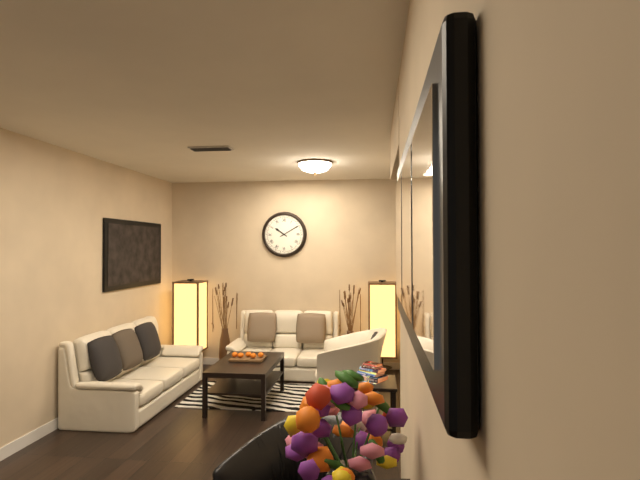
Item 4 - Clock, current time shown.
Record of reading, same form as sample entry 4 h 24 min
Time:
10 h 10 min
